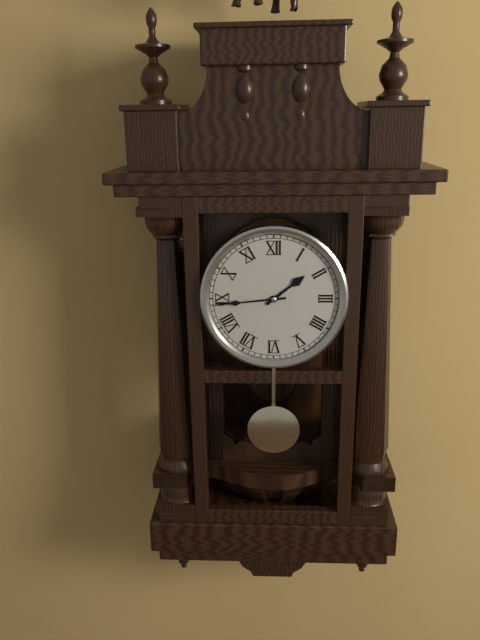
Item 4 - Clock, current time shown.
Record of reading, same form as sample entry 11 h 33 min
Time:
1 h 44 min
